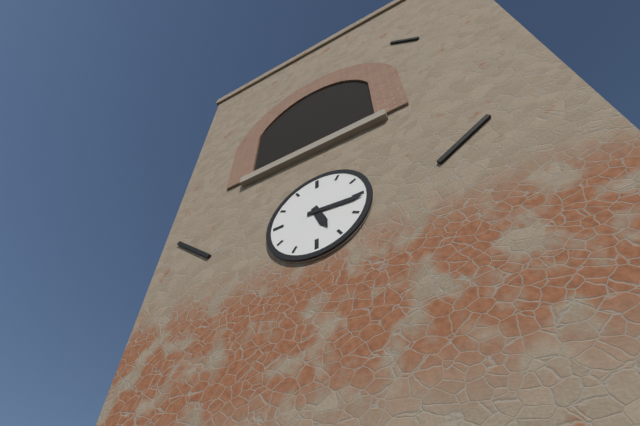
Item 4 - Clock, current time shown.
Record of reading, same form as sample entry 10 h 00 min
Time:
5 h 16 min
